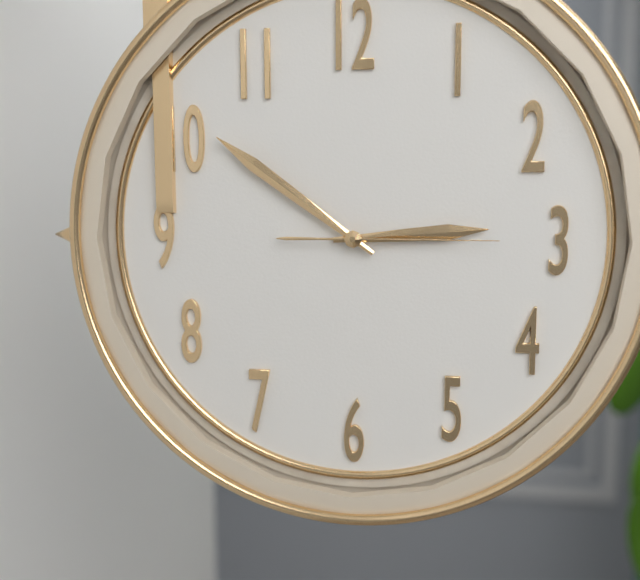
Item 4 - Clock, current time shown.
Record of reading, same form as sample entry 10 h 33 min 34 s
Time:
2 h 51 min 15 s
